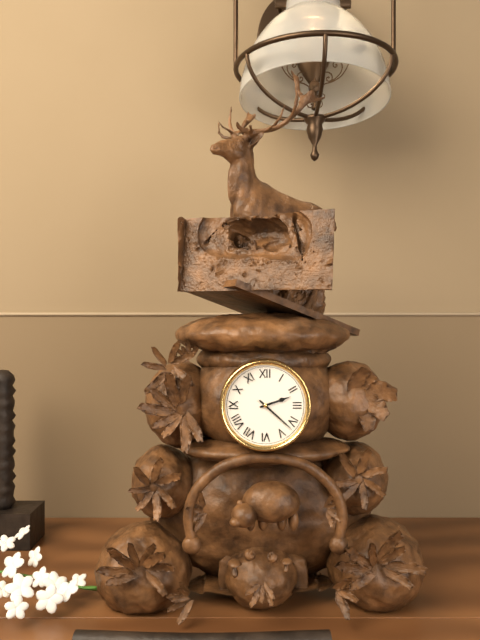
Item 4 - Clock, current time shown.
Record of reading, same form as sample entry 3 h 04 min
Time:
2 h 22 min
